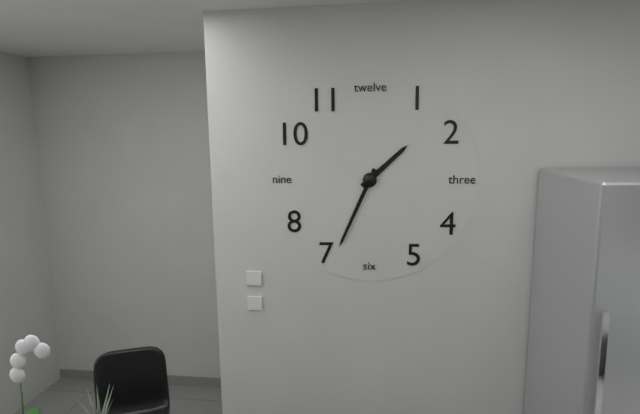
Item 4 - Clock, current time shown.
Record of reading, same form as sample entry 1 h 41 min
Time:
1 h 34 min
